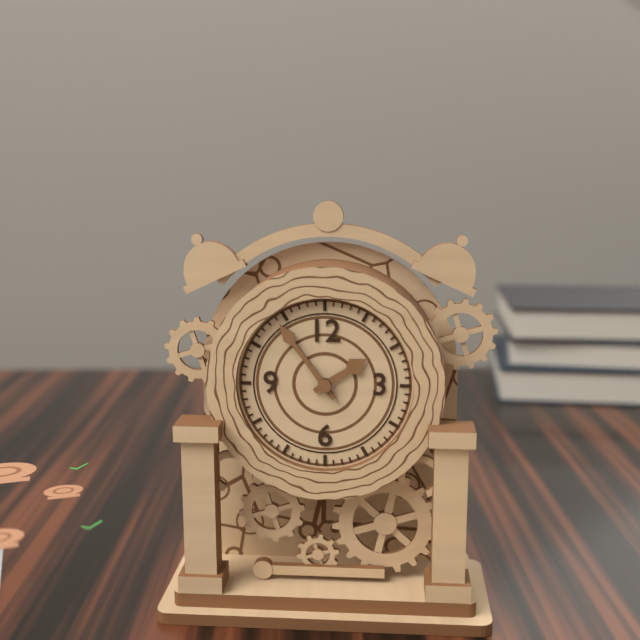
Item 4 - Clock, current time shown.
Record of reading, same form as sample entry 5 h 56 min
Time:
1 h 54 min
